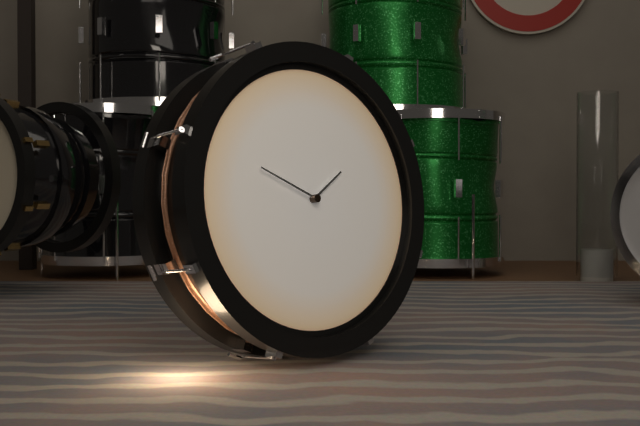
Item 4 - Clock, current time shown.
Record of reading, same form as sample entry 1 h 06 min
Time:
1 h 49 min
